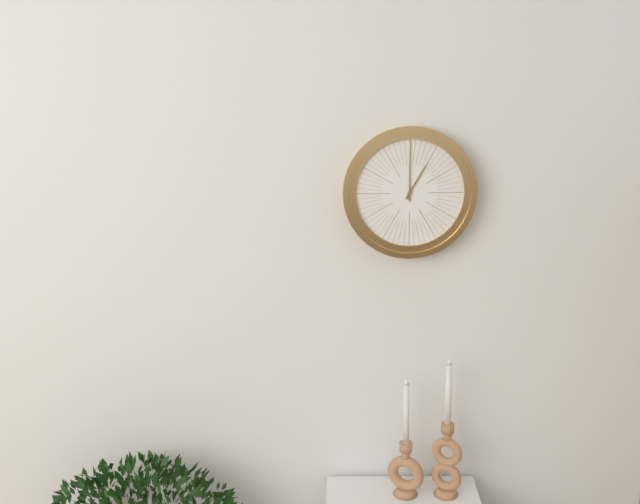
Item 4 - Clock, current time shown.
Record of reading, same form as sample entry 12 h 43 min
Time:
1 h 00 min
